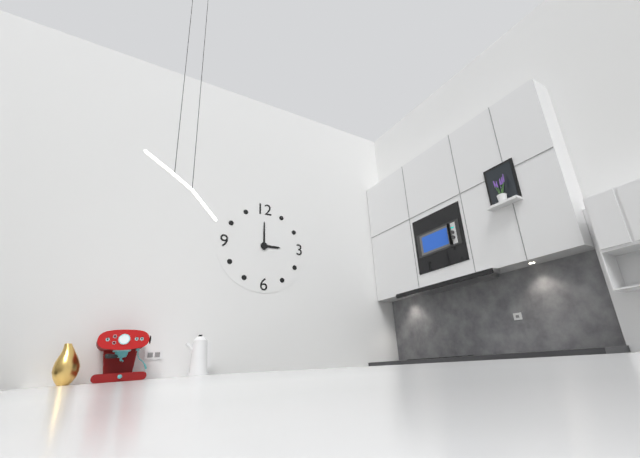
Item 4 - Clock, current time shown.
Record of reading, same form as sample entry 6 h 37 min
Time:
3 h 00 min
